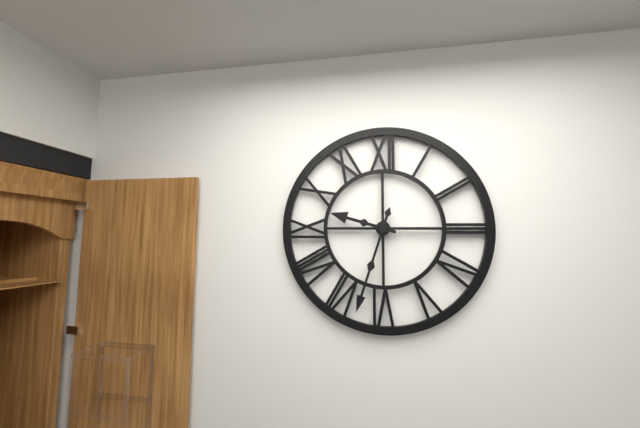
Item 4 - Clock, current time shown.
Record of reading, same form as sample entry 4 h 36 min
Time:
9 h 33 min
